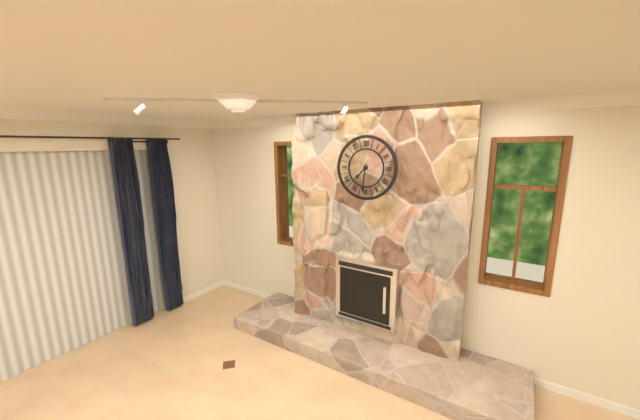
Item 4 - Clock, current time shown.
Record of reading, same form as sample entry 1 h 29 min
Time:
7 h 31 min
